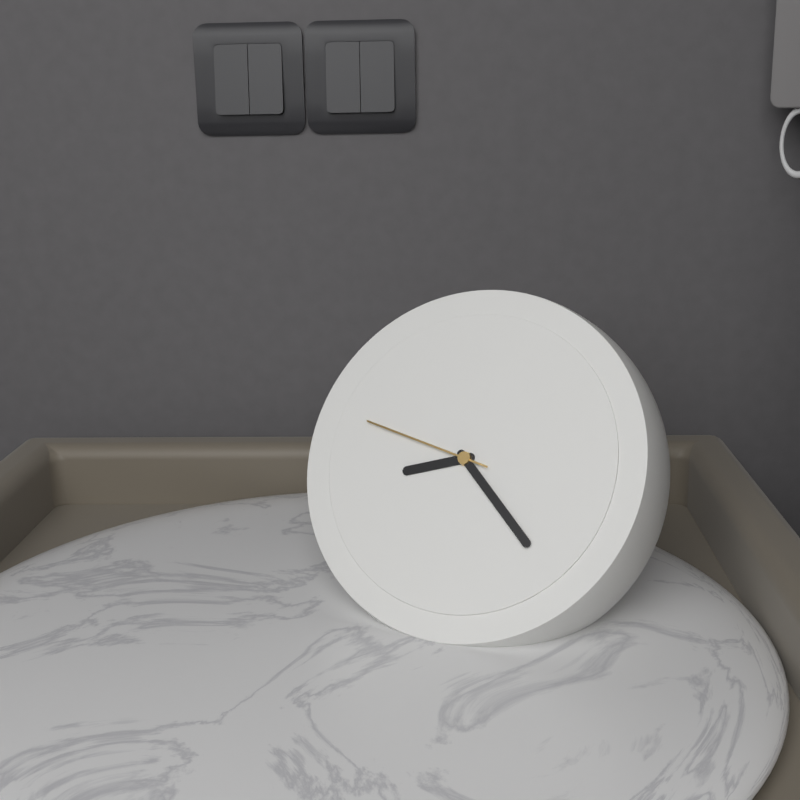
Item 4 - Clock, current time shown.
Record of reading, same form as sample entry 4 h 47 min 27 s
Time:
8 h 22 min 47 s
